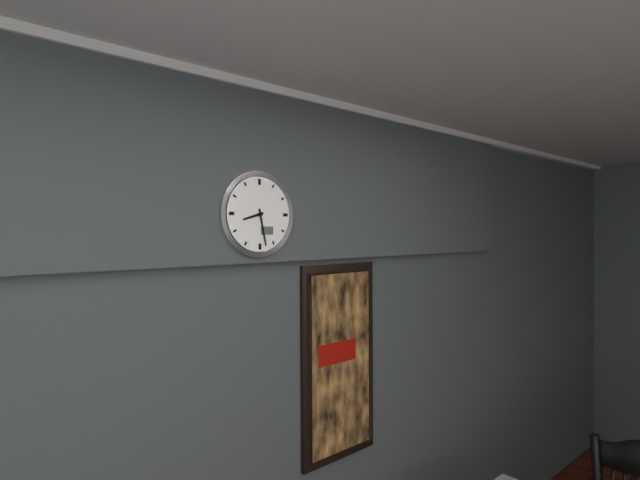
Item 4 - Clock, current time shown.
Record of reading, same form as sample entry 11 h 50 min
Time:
8 h 28 min
